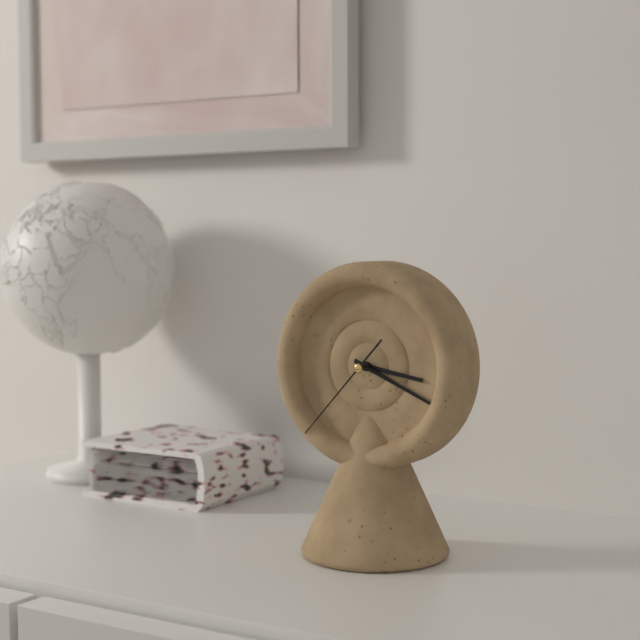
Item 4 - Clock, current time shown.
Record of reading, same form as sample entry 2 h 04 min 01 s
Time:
3 h 19 min 37 s
